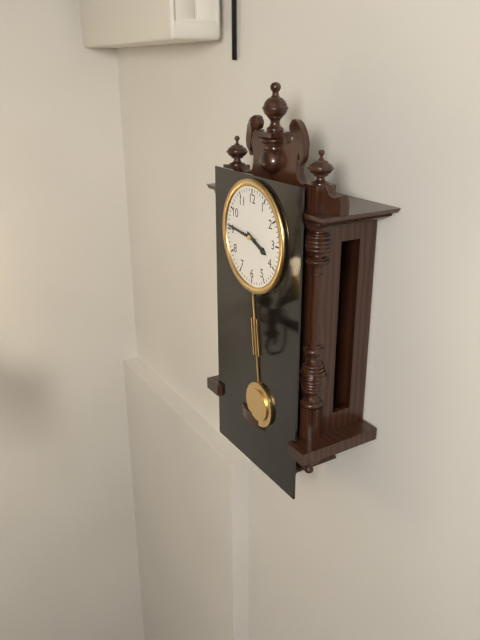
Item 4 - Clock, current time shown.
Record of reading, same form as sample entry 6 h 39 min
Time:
3 h 46 min
